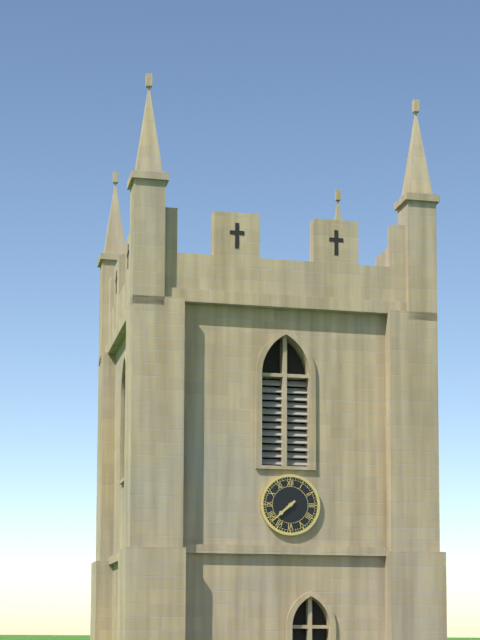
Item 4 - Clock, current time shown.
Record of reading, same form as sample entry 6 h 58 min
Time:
7 h 38 min
